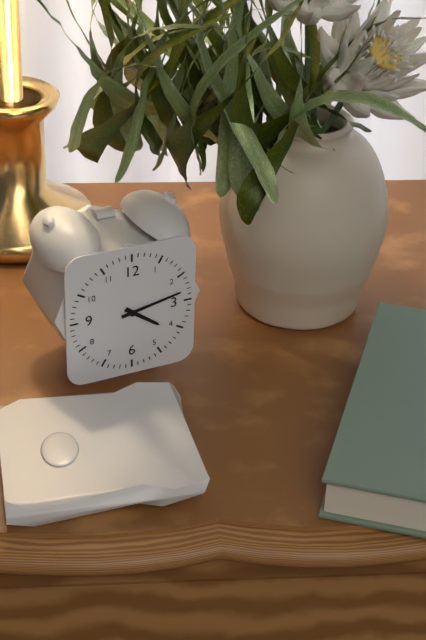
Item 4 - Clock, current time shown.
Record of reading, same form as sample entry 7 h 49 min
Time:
4 h 13 min
